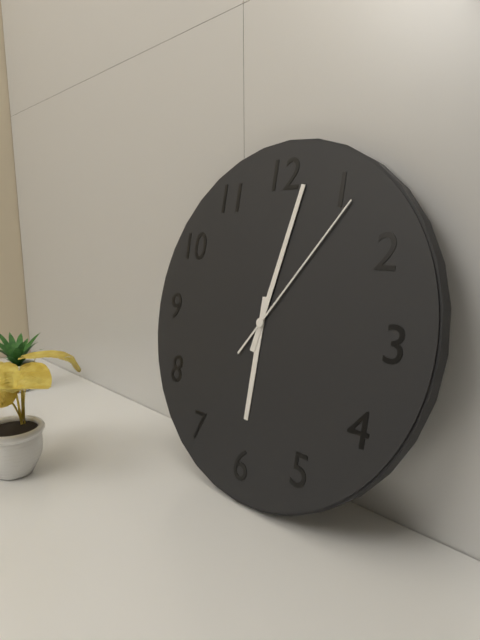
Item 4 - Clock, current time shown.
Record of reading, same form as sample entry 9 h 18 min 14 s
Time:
6 h 02 min 06 s
